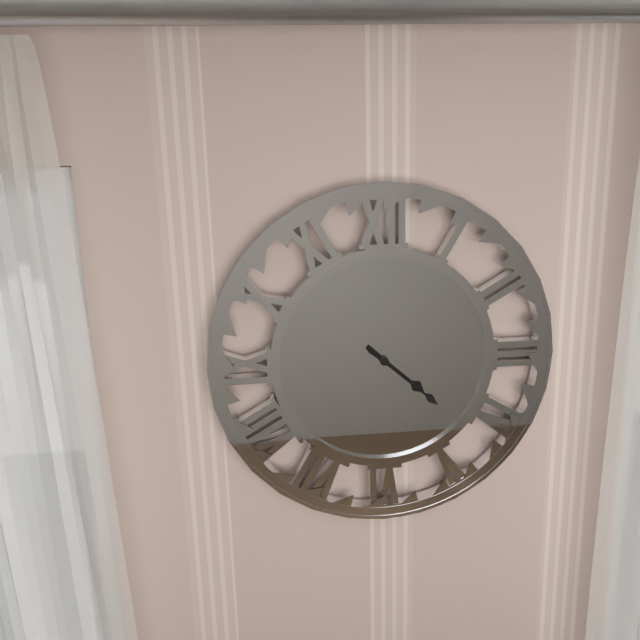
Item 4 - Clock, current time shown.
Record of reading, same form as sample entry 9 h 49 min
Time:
4 h 22 min
